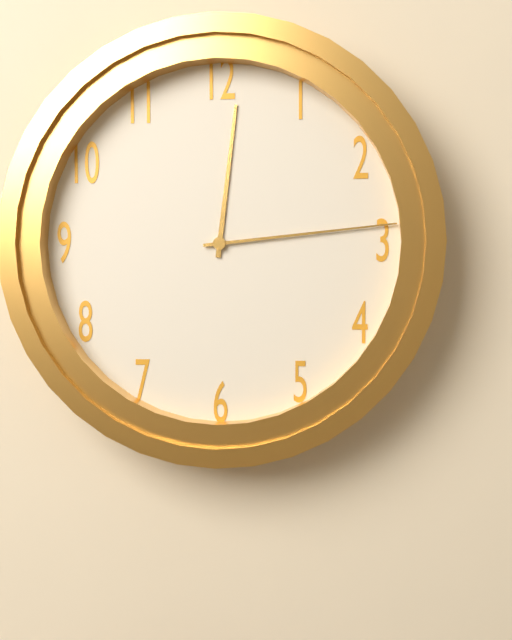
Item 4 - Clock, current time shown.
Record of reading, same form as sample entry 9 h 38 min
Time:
12 h 14 min
